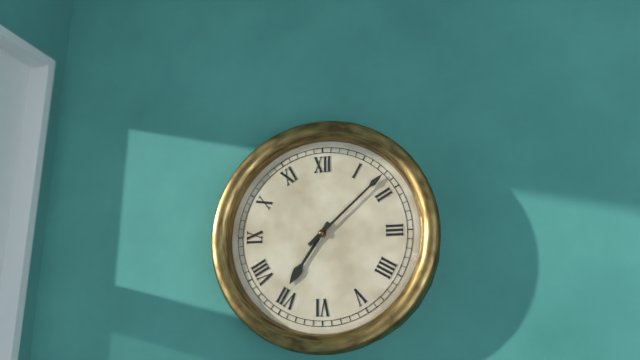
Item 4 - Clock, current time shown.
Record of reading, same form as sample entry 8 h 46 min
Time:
7 h 08 min
